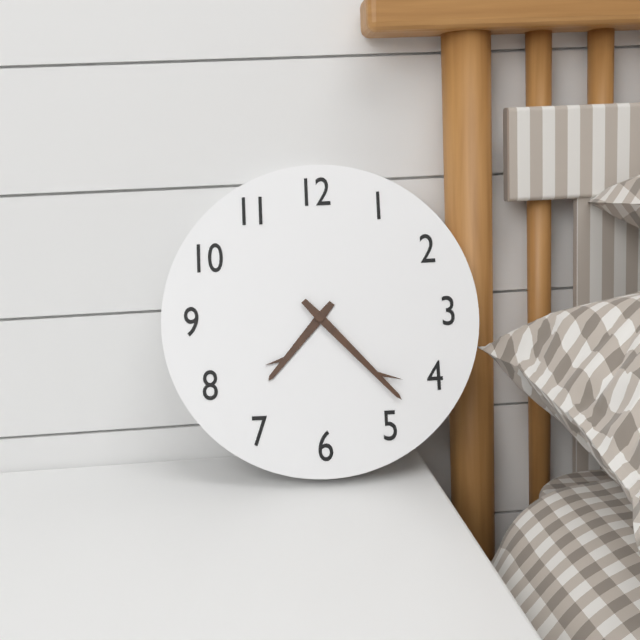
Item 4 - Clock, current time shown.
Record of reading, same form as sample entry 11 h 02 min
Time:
7 h 23 min
